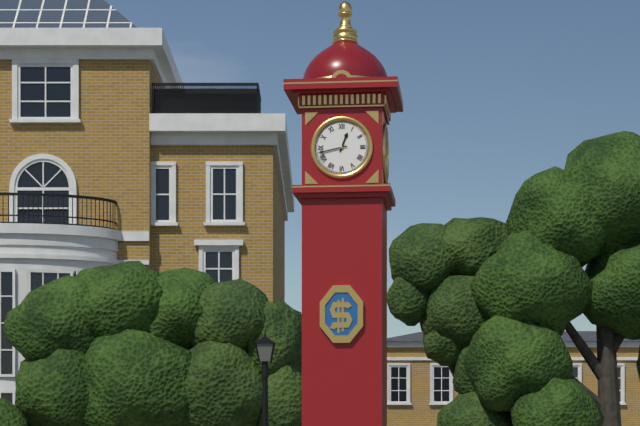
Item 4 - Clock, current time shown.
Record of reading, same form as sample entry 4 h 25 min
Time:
12 h 43 min
